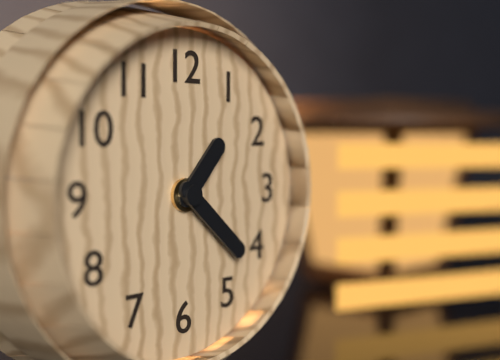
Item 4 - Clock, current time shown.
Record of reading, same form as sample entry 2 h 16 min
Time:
1 h 22 min
